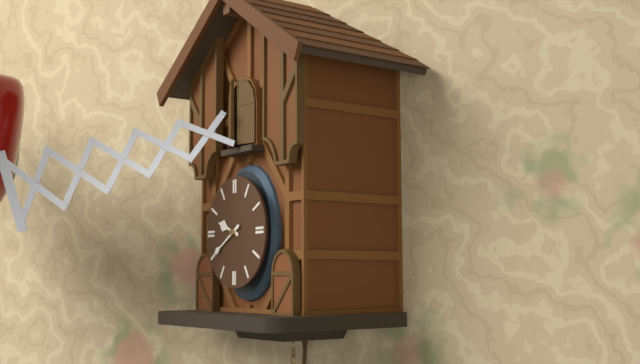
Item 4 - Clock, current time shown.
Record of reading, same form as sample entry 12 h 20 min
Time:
9 h 40 min
